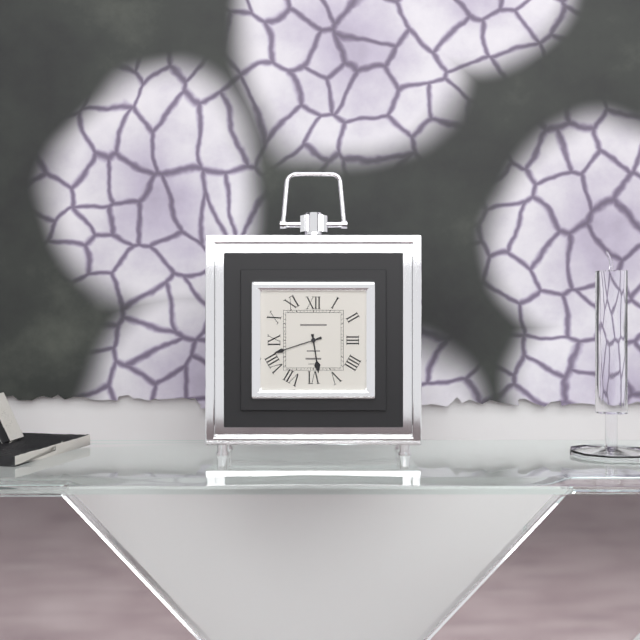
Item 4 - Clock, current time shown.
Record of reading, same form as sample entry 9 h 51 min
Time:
5 h 42 min
